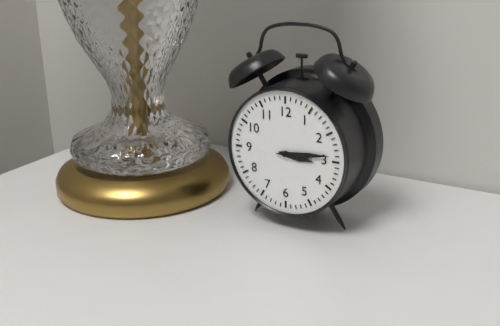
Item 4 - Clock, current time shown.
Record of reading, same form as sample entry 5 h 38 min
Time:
3 h 14 min
